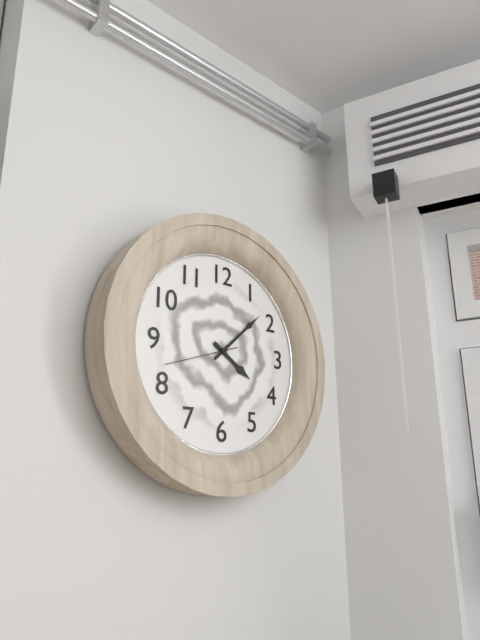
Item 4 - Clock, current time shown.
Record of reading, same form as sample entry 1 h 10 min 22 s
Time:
4 h 08 min 42 s
